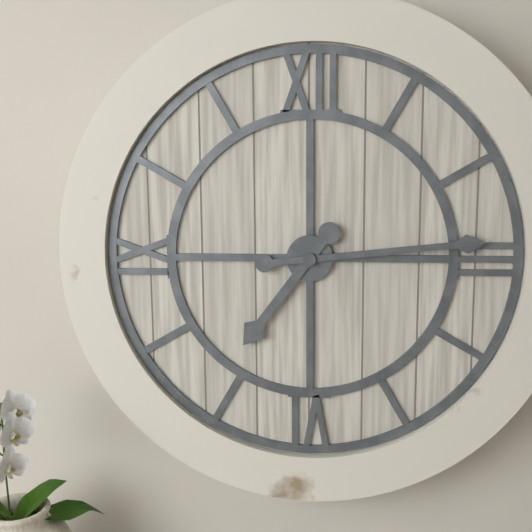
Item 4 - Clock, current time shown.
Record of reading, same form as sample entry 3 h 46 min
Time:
7 h 14 min
